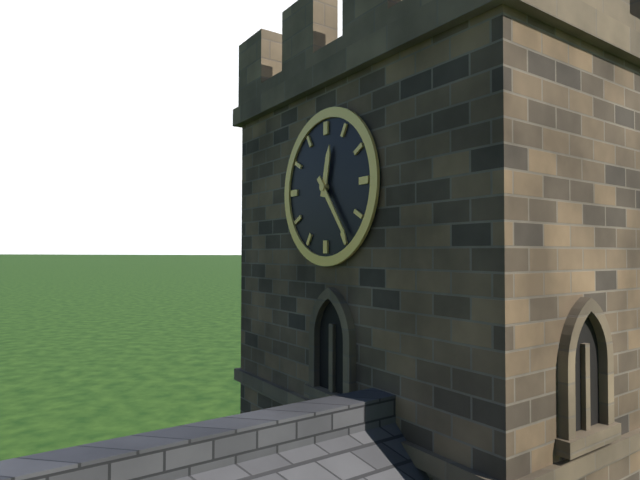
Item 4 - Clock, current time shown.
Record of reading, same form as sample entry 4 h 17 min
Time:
12 h 24 min
